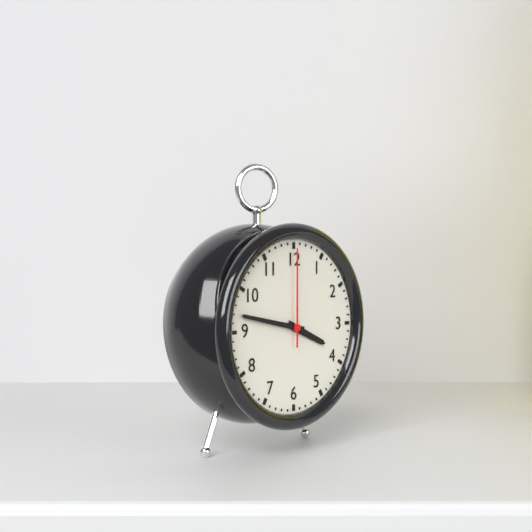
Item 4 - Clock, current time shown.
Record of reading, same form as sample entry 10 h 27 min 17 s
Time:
3 h 47 min 00 s
